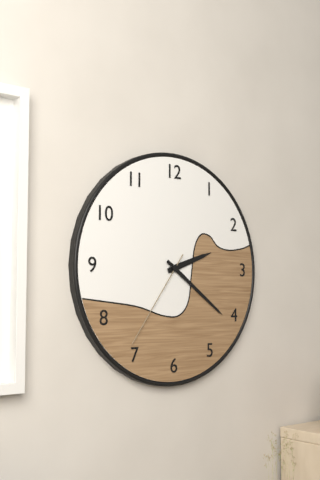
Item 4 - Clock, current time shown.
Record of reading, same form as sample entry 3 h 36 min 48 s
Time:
2 h 21 min 36 s
